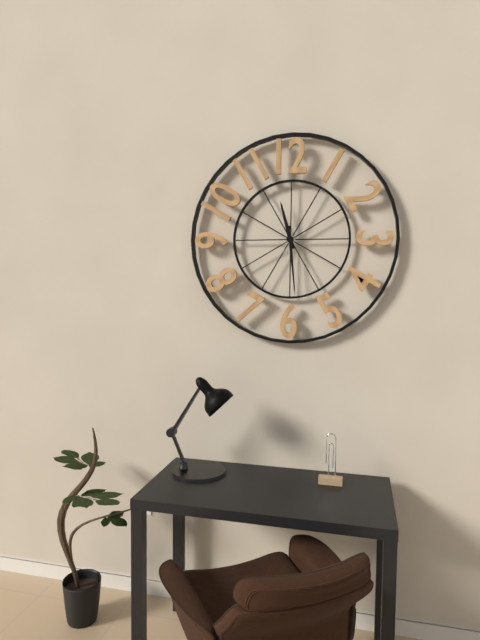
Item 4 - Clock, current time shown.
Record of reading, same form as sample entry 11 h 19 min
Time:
11 h 29 min
